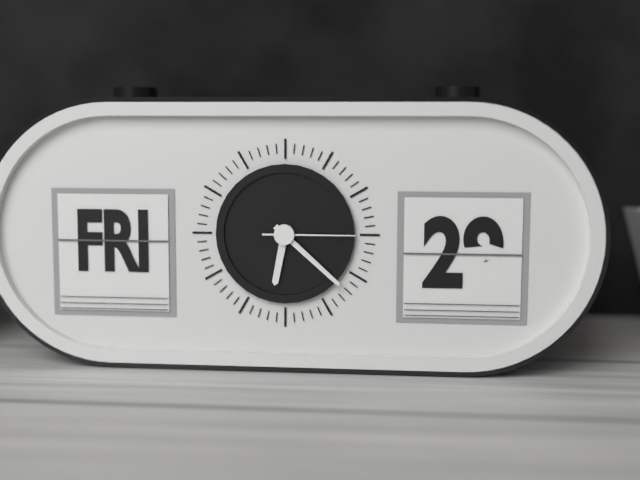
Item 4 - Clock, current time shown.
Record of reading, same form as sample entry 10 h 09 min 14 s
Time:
6 h 22 min 15 s
